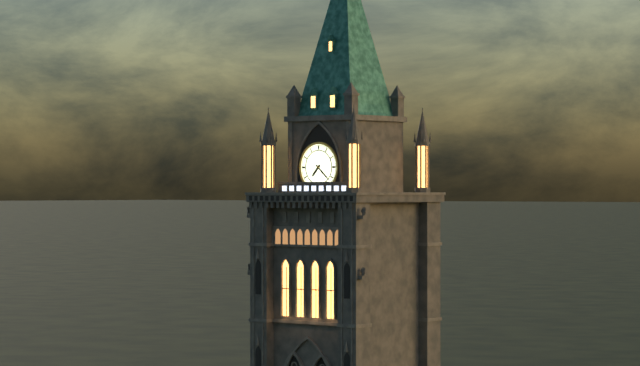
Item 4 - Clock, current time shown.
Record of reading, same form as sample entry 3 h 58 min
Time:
7 h 22 min
